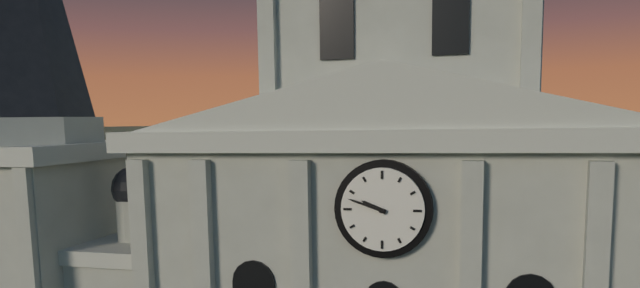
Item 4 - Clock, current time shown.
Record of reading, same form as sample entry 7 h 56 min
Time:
9 h 48 min
